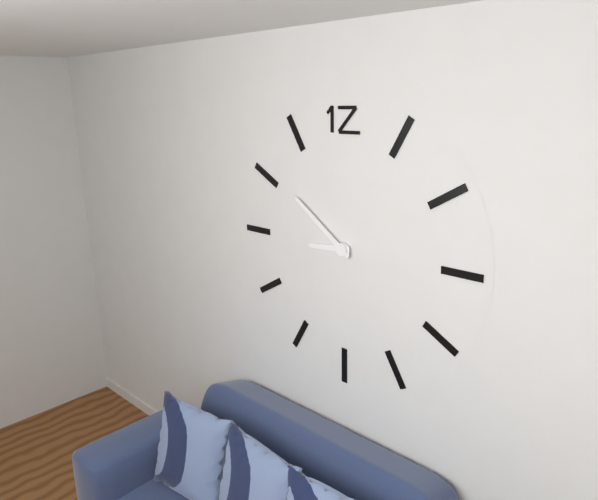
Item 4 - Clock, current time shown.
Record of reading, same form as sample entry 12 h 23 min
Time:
8 h 51 min
